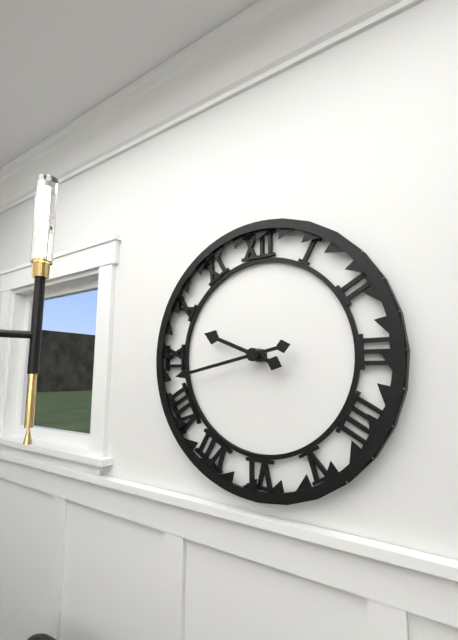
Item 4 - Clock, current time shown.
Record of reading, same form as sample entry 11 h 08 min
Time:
9 h 43 min
